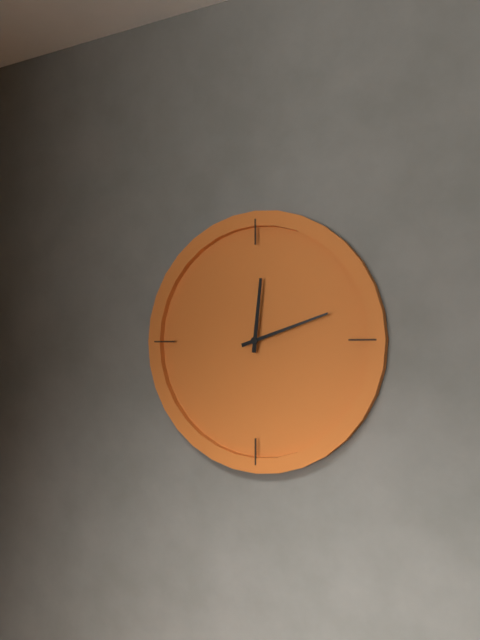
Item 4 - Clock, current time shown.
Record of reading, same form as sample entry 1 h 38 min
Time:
12 h 12 min
